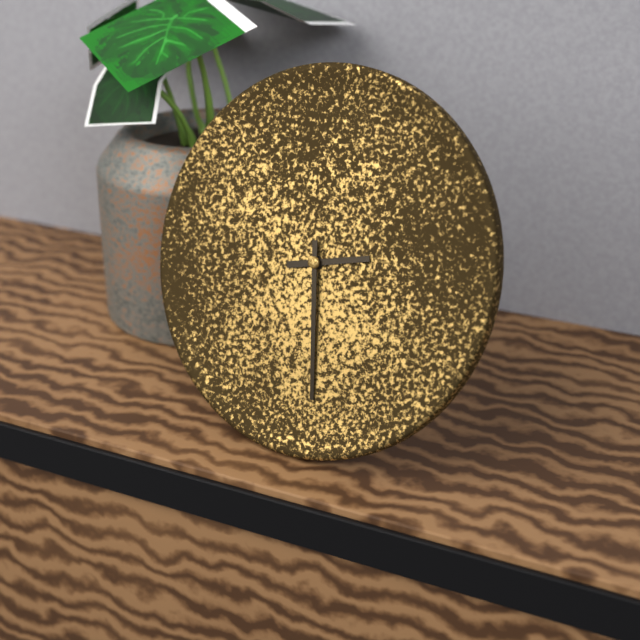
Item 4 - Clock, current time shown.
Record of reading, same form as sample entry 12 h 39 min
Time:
2 h 28 min
